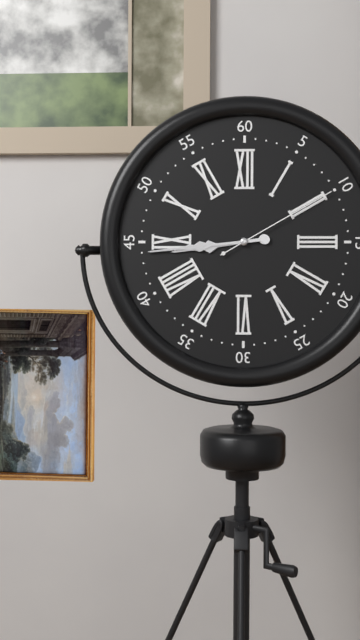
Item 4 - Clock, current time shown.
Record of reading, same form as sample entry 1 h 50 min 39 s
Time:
8 h 44 min 10 s
